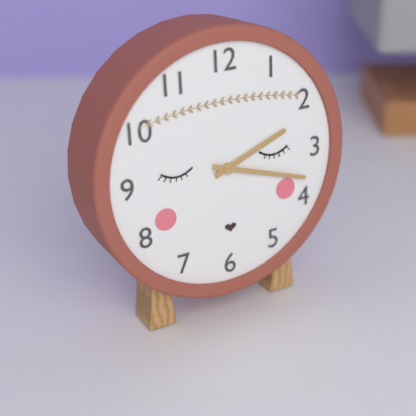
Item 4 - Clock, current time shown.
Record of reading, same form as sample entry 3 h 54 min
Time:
2 h 18 min
